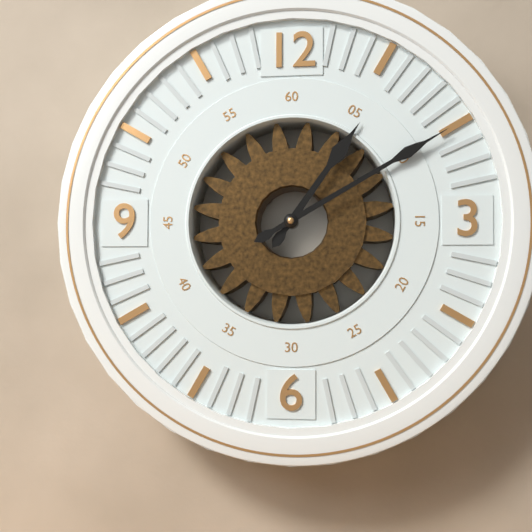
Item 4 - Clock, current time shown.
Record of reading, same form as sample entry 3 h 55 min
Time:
1 h 10 min
